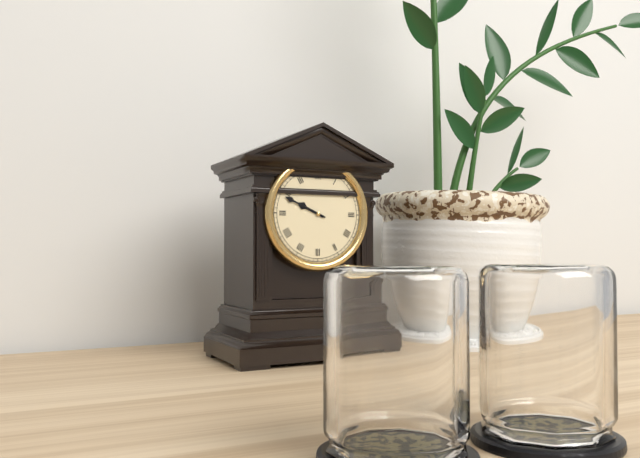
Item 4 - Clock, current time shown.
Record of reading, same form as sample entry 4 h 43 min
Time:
9 h 49 min
